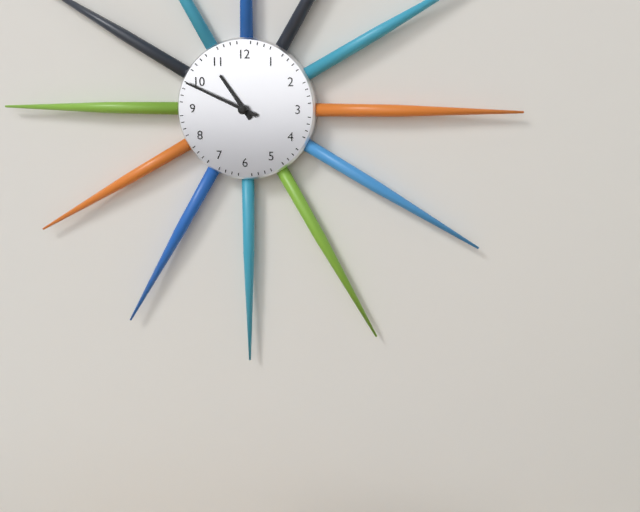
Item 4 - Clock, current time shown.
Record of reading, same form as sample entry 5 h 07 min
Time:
10 h 49 min
